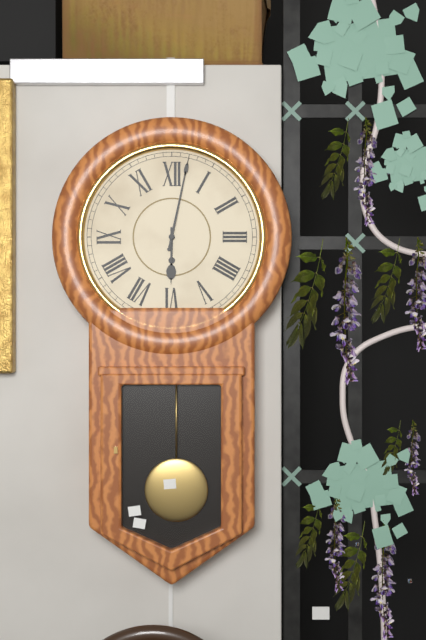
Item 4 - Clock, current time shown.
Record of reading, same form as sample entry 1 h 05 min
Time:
6 h 02 min
